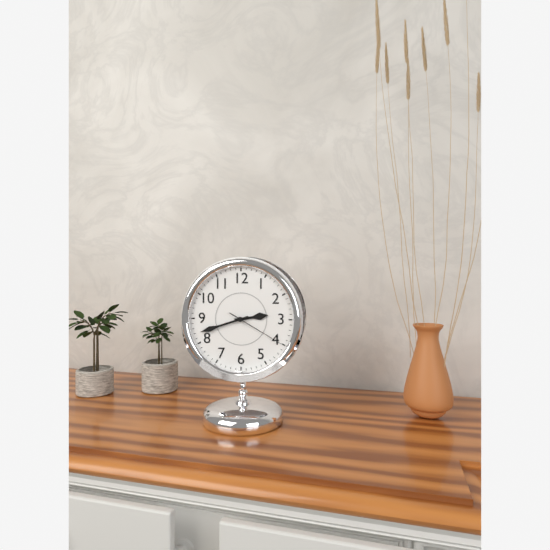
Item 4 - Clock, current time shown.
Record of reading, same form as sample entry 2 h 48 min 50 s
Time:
2 h 42 min 20 s
